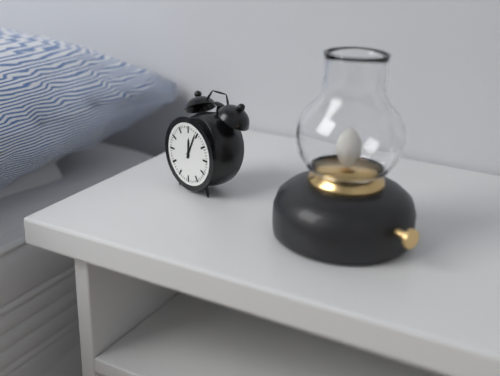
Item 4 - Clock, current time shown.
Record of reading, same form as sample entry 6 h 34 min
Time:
12 h 04 min
